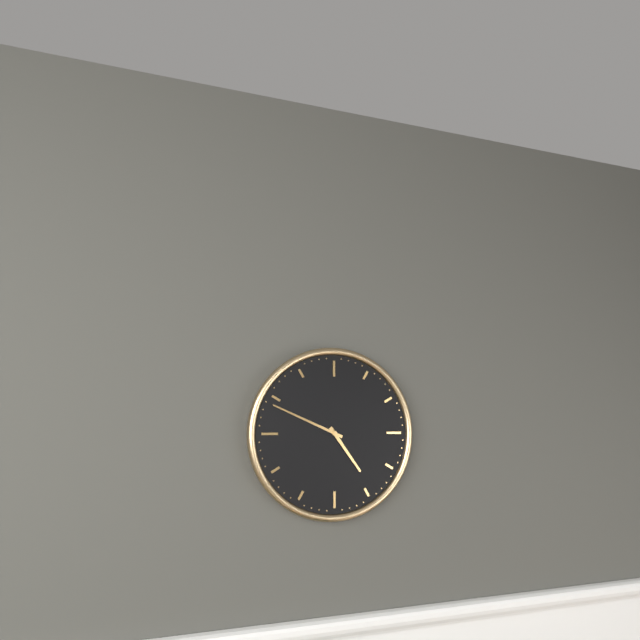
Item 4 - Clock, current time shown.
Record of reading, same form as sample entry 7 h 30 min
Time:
4 h 49 min
